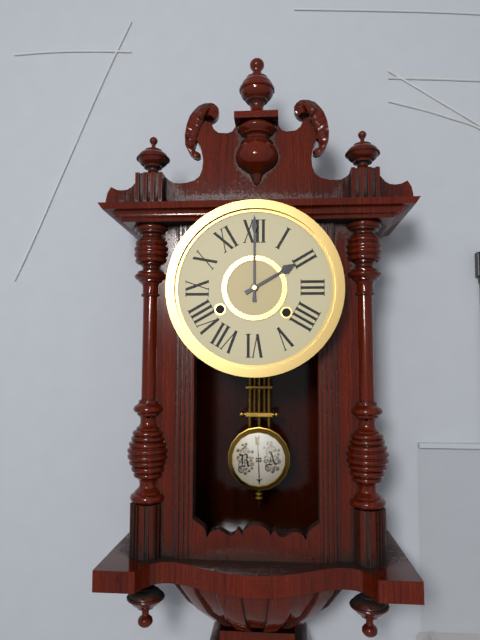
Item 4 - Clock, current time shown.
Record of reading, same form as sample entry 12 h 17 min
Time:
2 h 00 min
